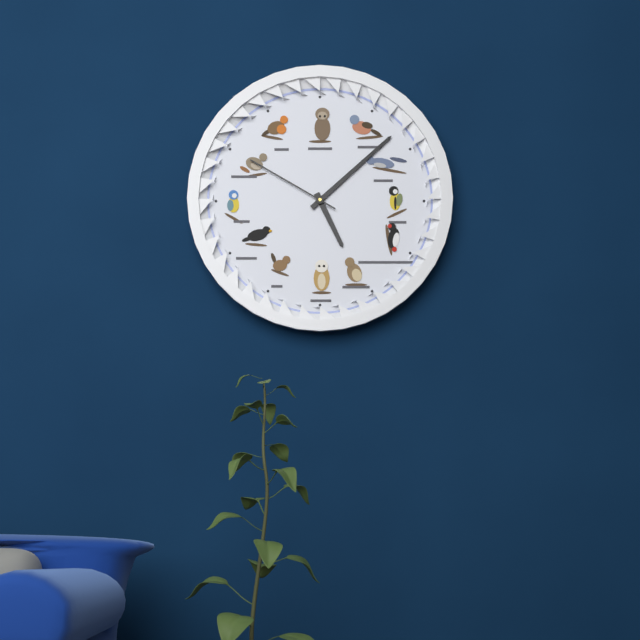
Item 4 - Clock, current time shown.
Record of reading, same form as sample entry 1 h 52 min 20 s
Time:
5 h 08 min 50 s
